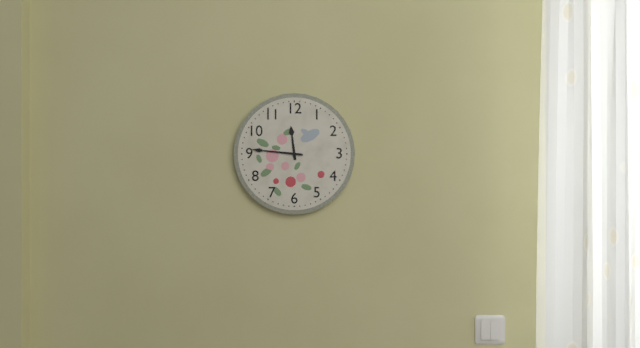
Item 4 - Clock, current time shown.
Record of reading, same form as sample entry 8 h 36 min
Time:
11 h 46 min
